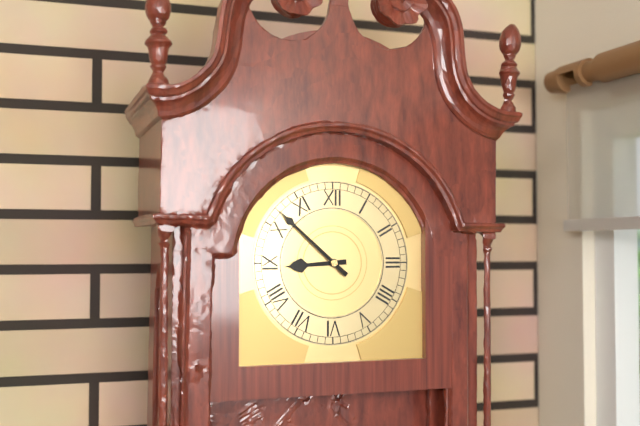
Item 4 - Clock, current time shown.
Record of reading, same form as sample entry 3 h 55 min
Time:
8 h 52 min
